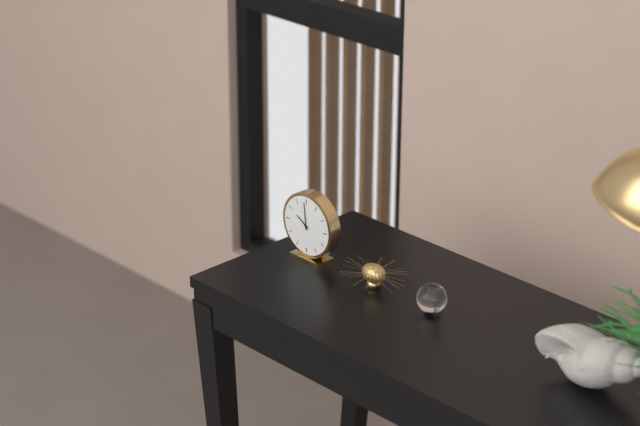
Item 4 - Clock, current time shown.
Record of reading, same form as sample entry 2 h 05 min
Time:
9 h 59 min
